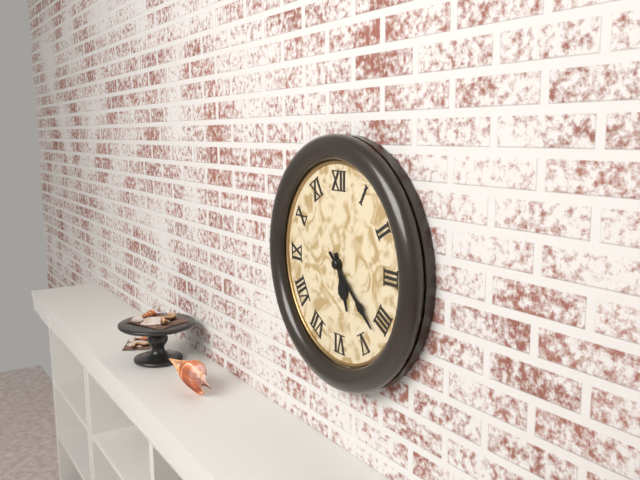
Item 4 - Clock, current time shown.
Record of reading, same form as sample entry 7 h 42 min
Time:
5 h 22 min
